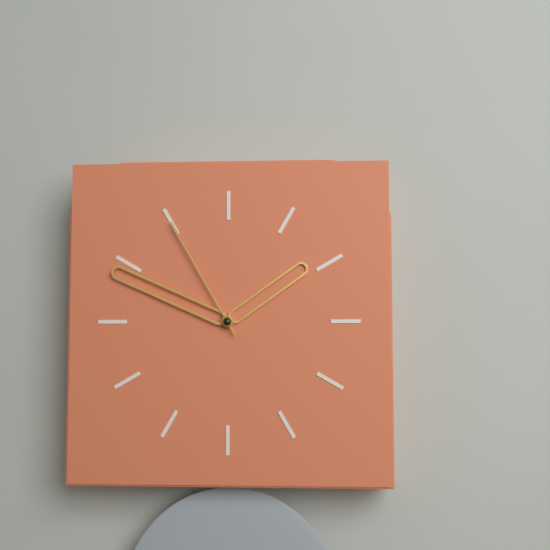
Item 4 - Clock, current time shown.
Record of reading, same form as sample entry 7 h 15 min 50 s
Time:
1 h 49 min 55 s
